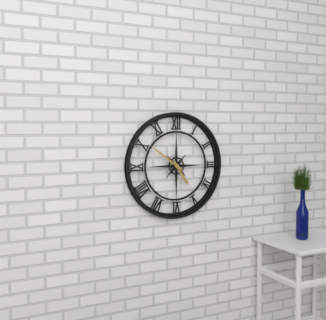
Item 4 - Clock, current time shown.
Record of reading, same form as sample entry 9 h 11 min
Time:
4 h 51 min
